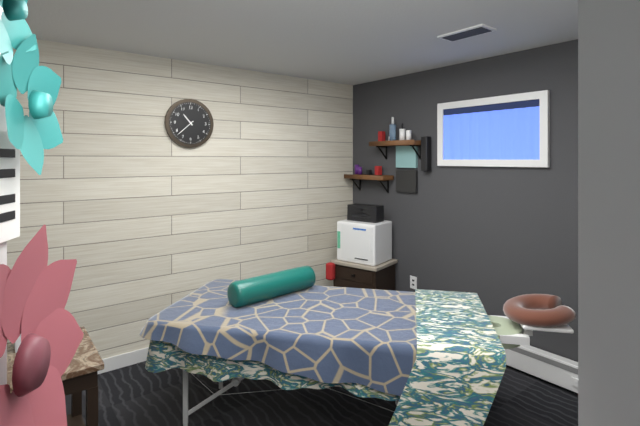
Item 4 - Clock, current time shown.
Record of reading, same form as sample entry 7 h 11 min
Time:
10 h 38 min
